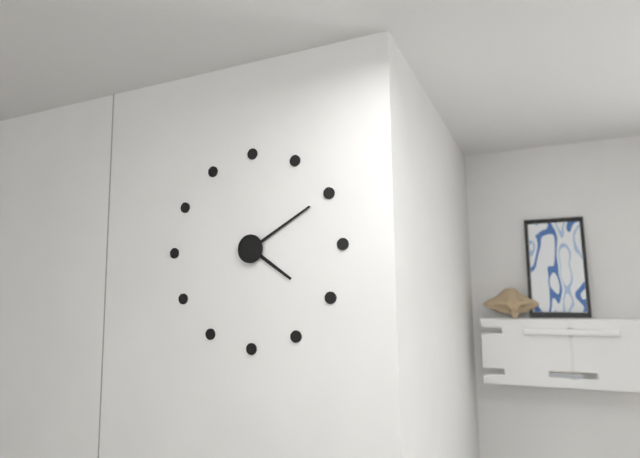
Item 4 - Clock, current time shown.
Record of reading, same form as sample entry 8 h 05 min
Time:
4 h 10 min
